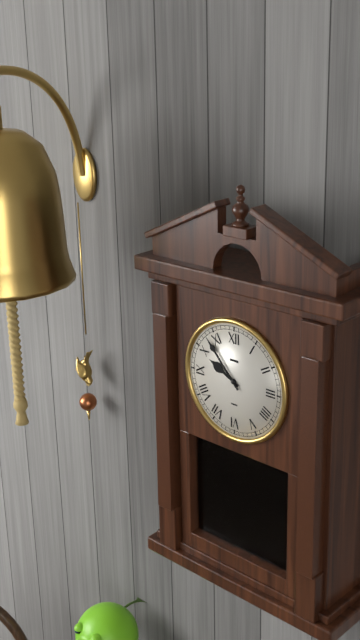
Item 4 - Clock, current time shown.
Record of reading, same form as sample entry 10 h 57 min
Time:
9 h 53 min
